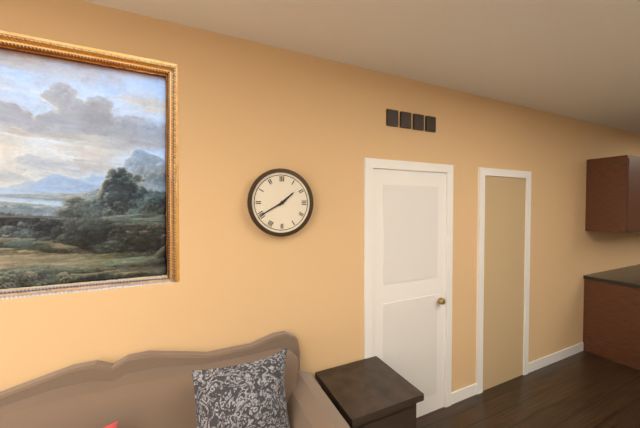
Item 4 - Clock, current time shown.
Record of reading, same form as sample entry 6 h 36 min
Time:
1 h 40 min
